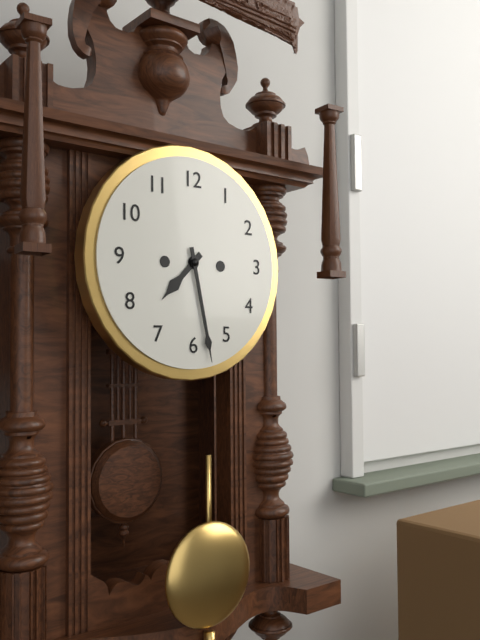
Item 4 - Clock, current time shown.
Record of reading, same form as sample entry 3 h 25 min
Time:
7 h 28 min
